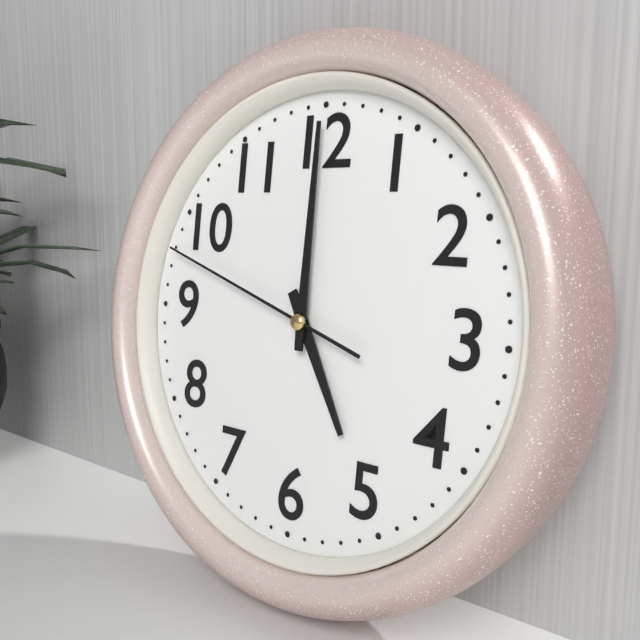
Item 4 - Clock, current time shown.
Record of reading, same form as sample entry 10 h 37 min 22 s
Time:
5 h 00 min 48 s
